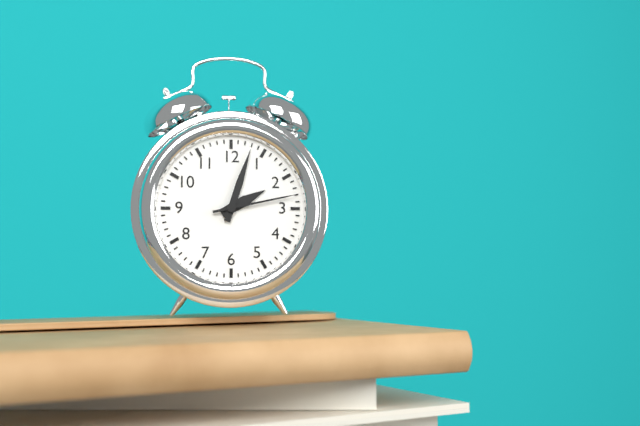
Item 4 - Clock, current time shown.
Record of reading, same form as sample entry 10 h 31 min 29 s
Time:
2 h 03 min 13 s
